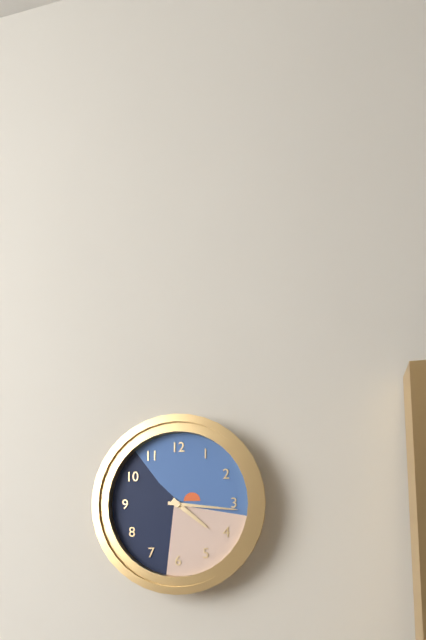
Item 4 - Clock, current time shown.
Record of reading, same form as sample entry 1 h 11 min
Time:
4 h 16 min
